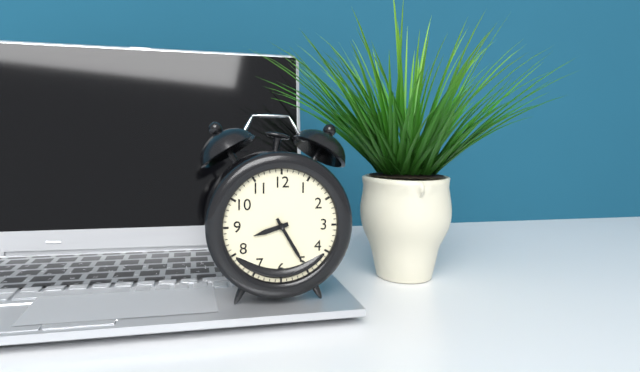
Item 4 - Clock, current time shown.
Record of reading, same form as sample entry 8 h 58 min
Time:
8 h 25 min
